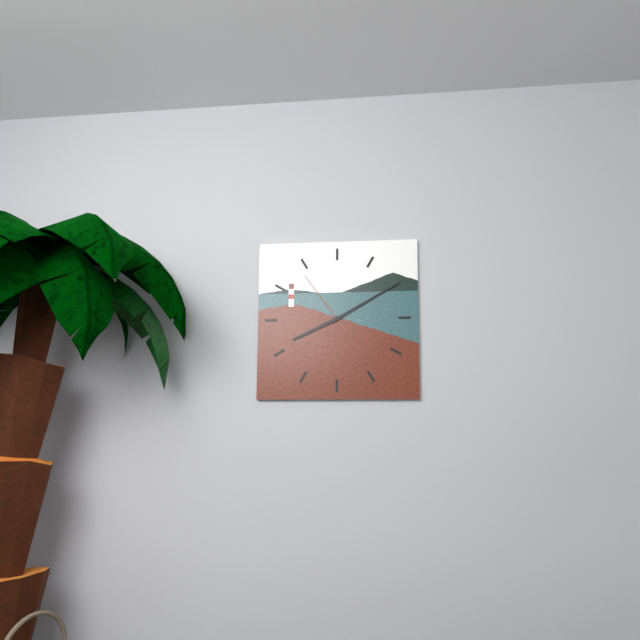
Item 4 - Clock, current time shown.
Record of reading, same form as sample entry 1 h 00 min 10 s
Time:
8 h 10 min 54 s
